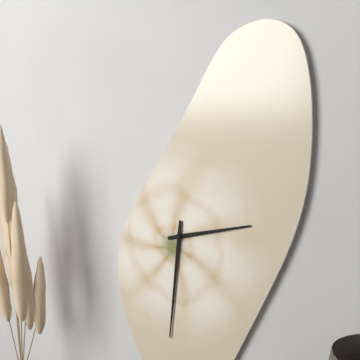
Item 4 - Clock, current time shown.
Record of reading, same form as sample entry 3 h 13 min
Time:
2 h 31 min
